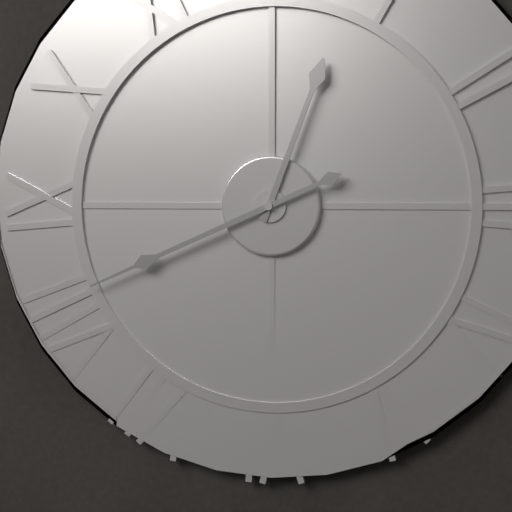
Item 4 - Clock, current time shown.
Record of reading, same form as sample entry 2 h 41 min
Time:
12 h 41 min
